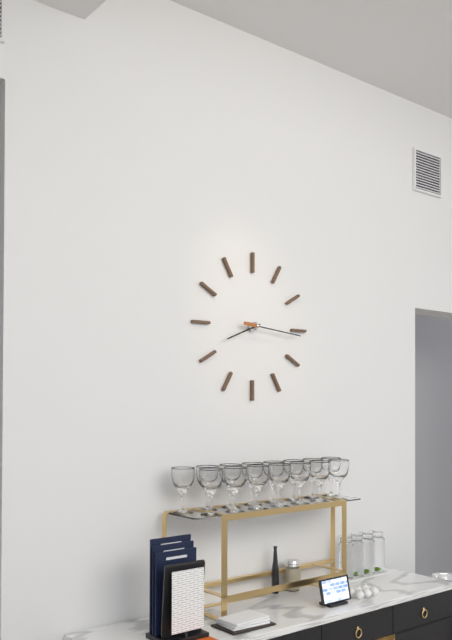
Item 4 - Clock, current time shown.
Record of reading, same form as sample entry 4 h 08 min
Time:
8 h 16 min
